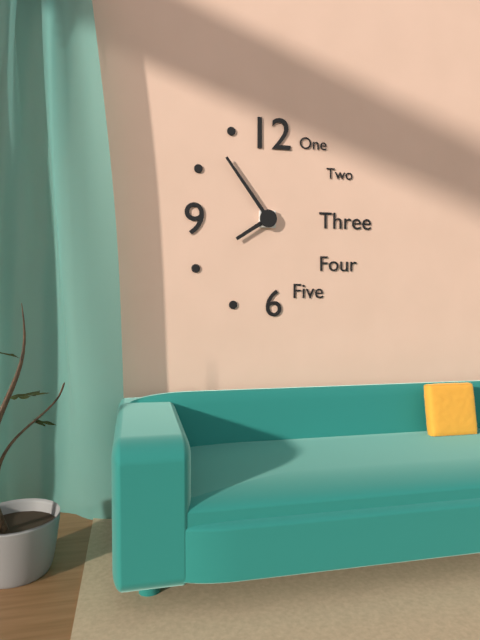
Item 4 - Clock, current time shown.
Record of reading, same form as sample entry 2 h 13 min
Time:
7 h 54 min
